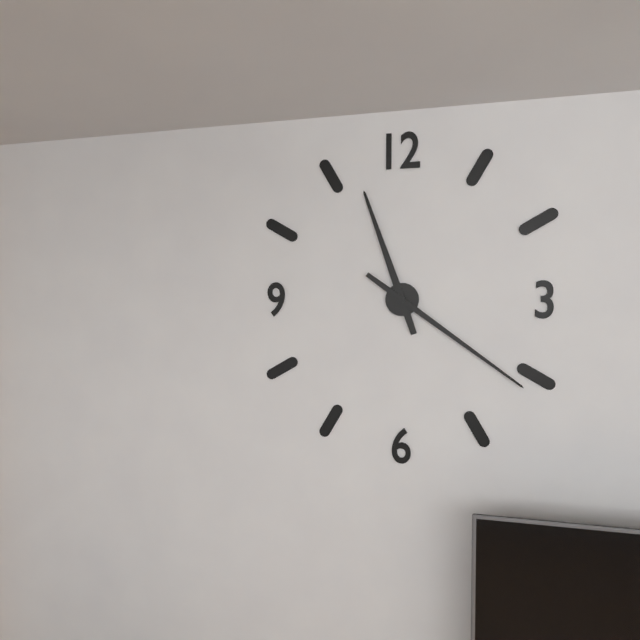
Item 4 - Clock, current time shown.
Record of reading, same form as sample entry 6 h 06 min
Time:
11 h 21 min
